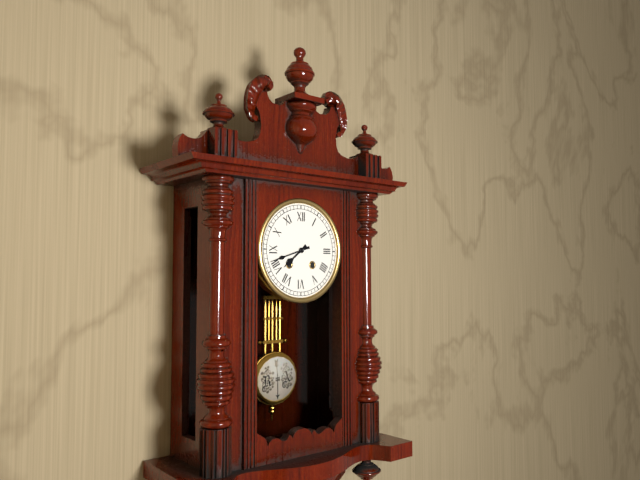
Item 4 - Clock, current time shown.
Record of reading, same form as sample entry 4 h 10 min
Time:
7 h 42 min
